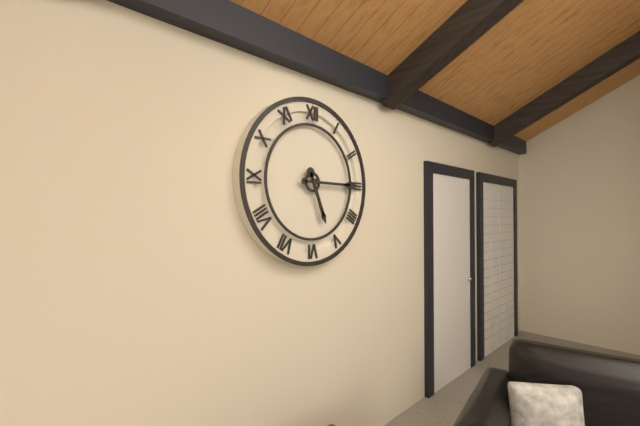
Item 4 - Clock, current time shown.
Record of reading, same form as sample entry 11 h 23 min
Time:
5 h 15 min
